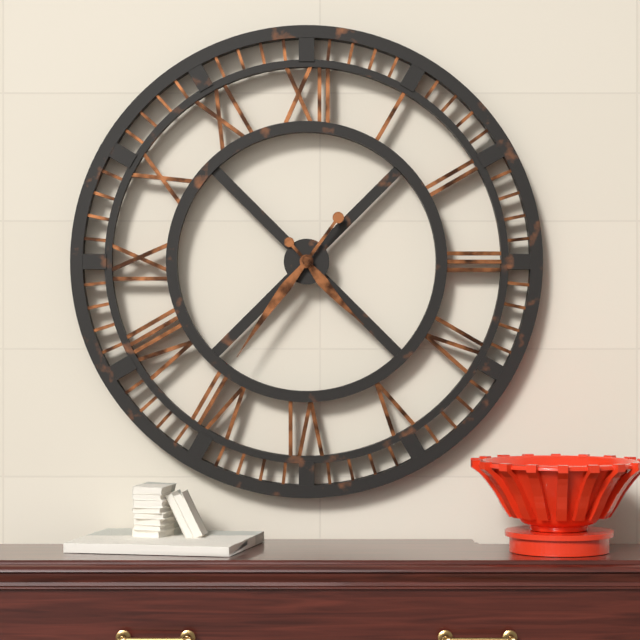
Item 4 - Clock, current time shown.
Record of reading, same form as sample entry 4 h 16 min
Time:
4 h 36 min
